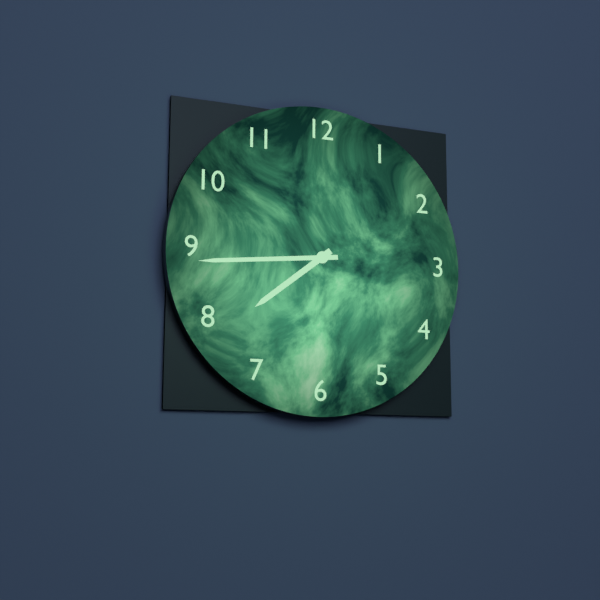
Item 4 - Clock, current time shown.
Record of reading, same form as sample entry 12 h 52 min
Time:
7 h 44 min
